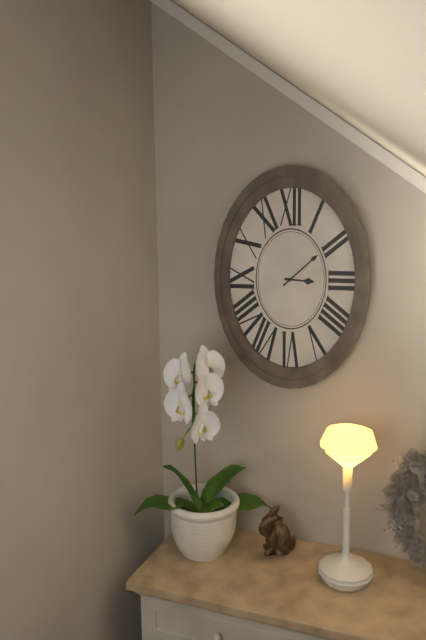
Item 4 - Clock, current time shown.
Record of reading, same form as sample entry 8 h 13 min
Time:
3 h 08 min
